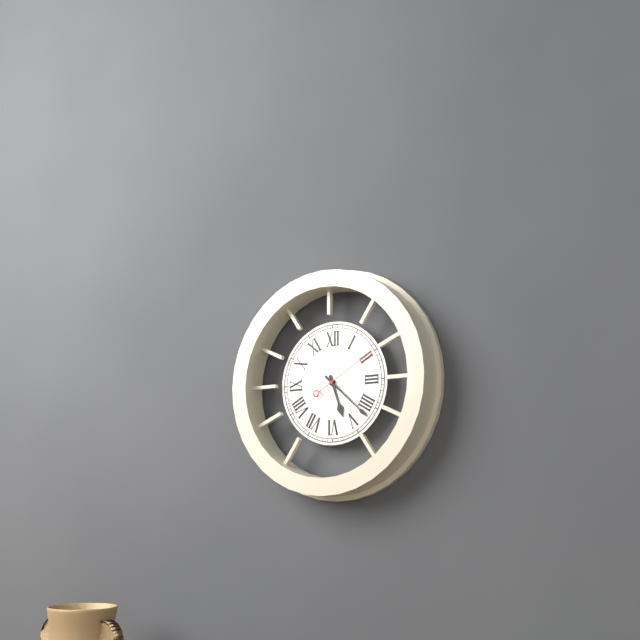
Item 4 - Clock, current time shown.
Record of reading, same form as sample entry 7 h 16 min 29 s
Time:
5 h 22 min 10 s
